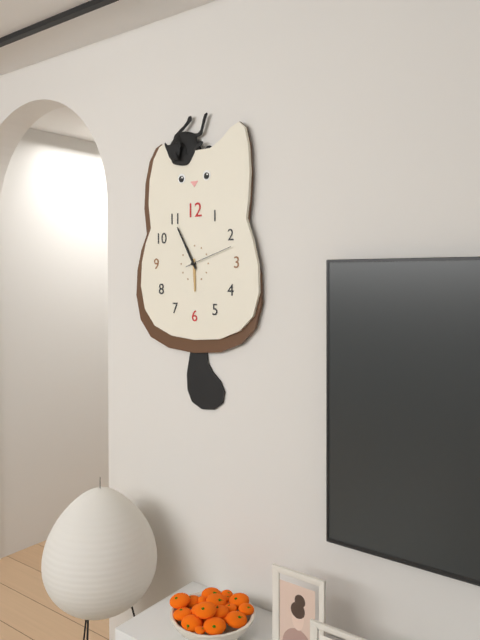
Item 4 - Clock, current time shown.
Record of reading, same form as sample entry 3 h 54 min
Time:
5 h 55 min
